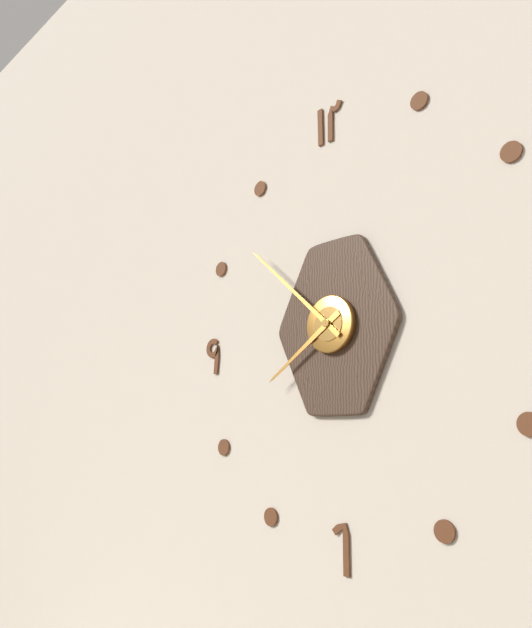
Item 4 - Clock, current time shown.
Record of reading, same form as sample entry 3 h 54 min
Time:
7 h 52 min
